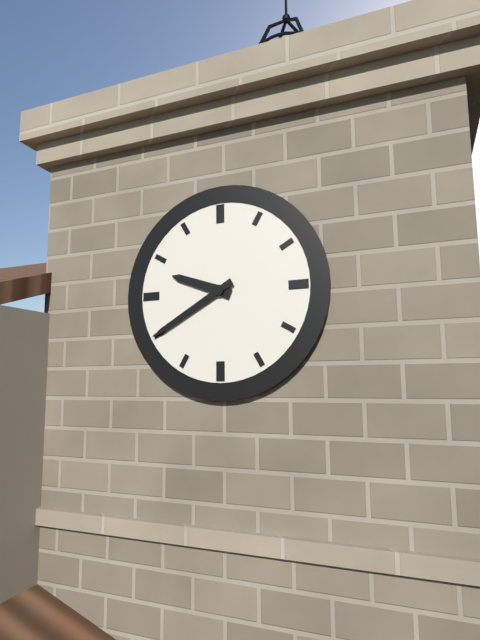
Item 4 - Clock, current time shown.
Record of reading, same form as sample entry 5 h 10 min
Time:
9 h 40 min
